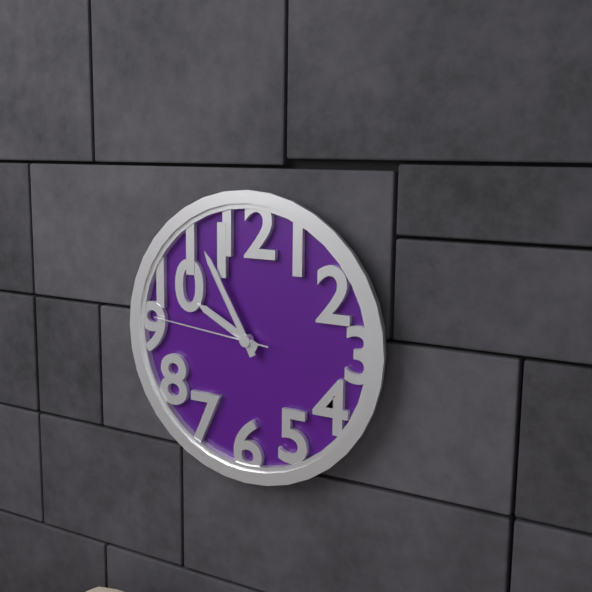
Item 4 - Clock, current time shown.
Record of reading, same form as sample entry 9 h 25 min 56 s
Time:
9 h 55 min 46 s
